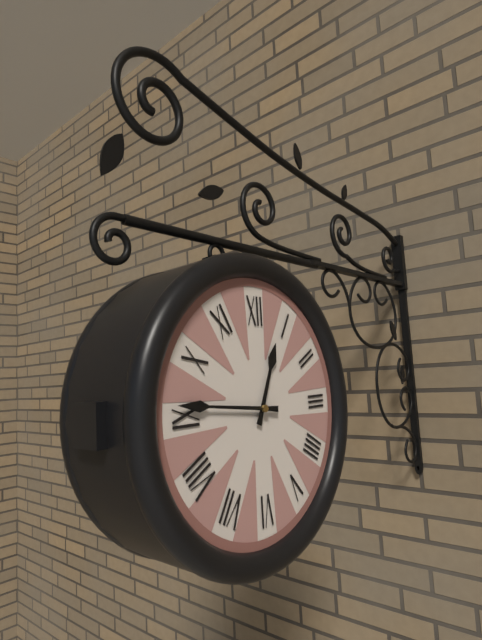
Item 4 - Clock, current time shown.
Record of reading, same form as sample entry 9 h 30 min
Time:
12 h 46 min
